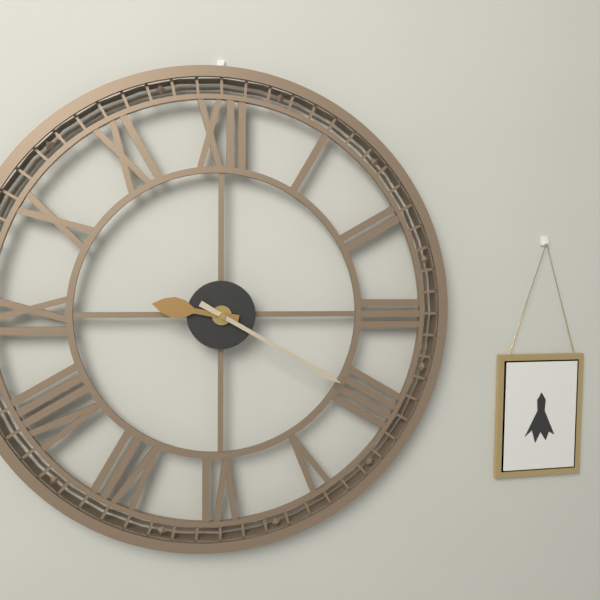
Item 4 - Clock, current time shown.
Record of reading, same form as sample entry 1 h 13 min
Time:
9 h 20 min
